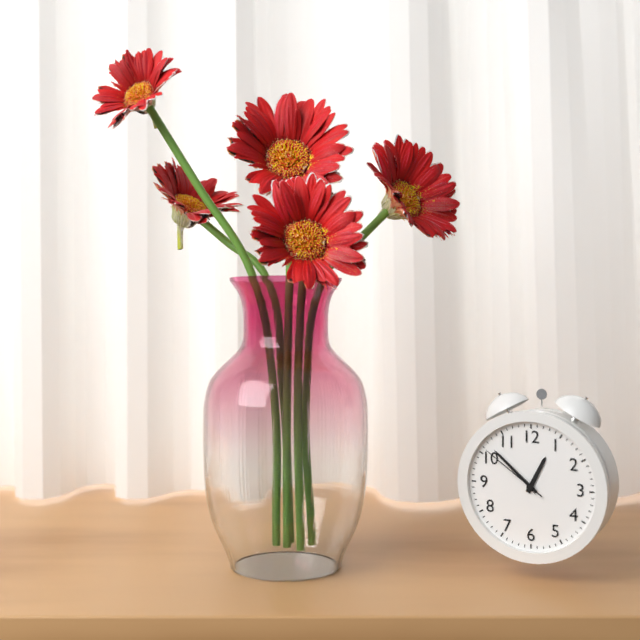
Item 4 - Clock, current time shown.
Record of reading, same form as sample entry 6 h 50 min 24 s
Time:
12 h 52 min 51 s
